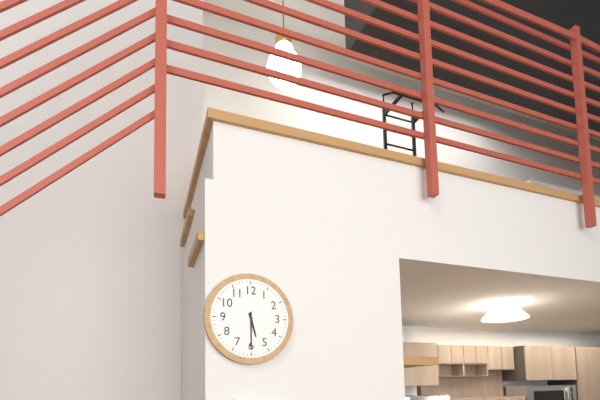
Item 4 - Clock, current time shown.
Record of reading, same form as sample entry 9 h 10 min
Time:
5 h 30 min
